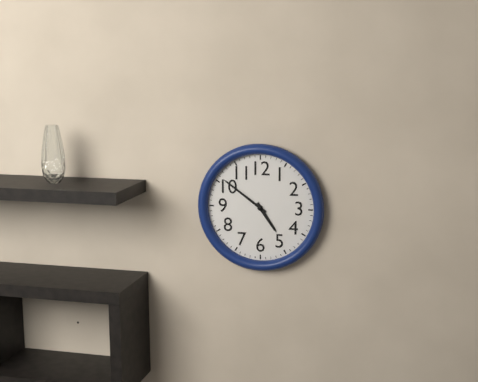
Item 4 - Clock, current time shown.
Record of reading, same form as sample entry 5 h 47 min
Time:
4 h 51 min
